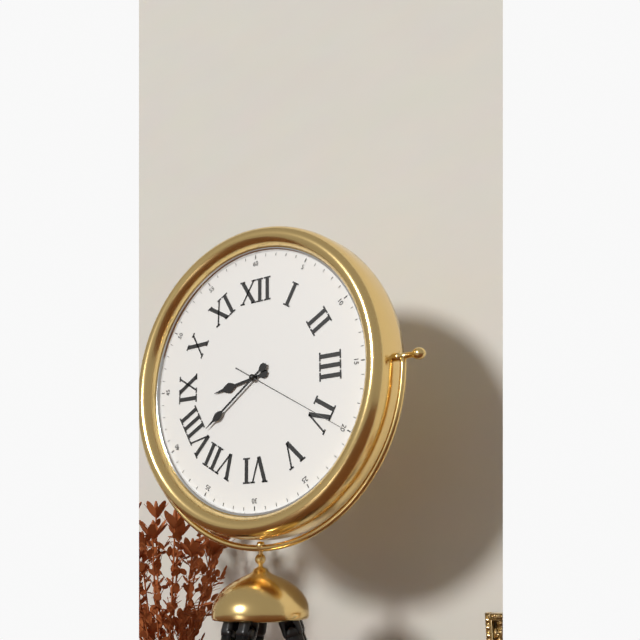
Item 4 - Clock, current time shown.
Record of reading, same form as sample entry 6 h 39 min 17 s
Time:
8 h 39 min 20 s
